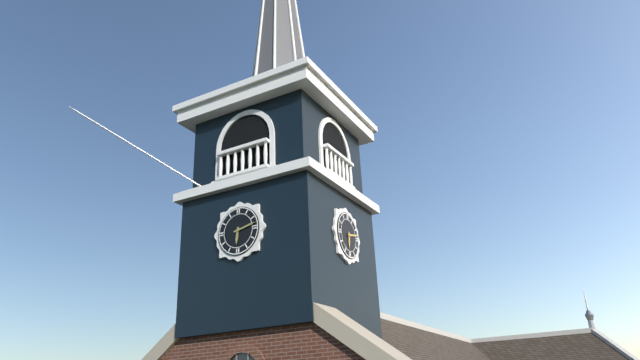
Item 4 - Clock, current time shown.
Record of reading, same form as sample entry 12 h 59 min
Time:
6 h 13 min
